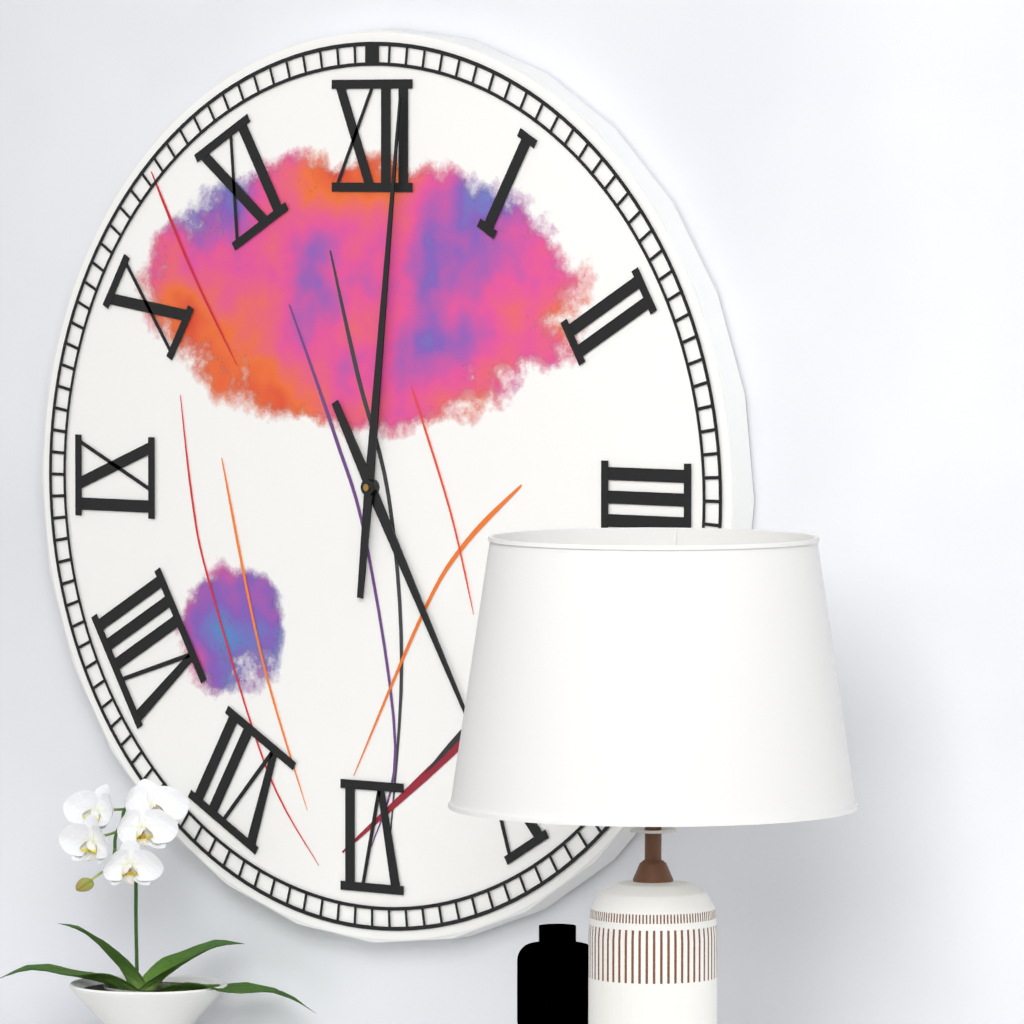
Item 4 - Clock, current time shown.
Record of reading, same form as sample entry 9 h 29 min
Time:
5 h 01 min
